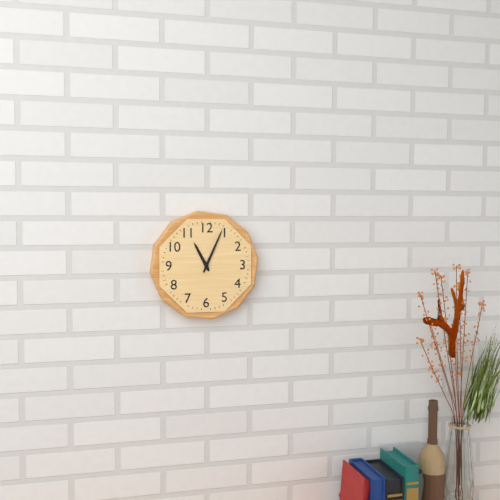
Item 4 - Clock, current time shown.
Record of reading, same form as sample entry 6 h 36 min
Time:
11 h 04 min
